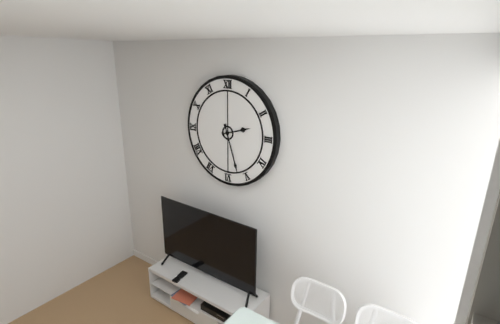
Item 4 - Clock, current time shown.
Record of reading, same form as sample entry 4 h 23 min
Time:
2 h 27 min
